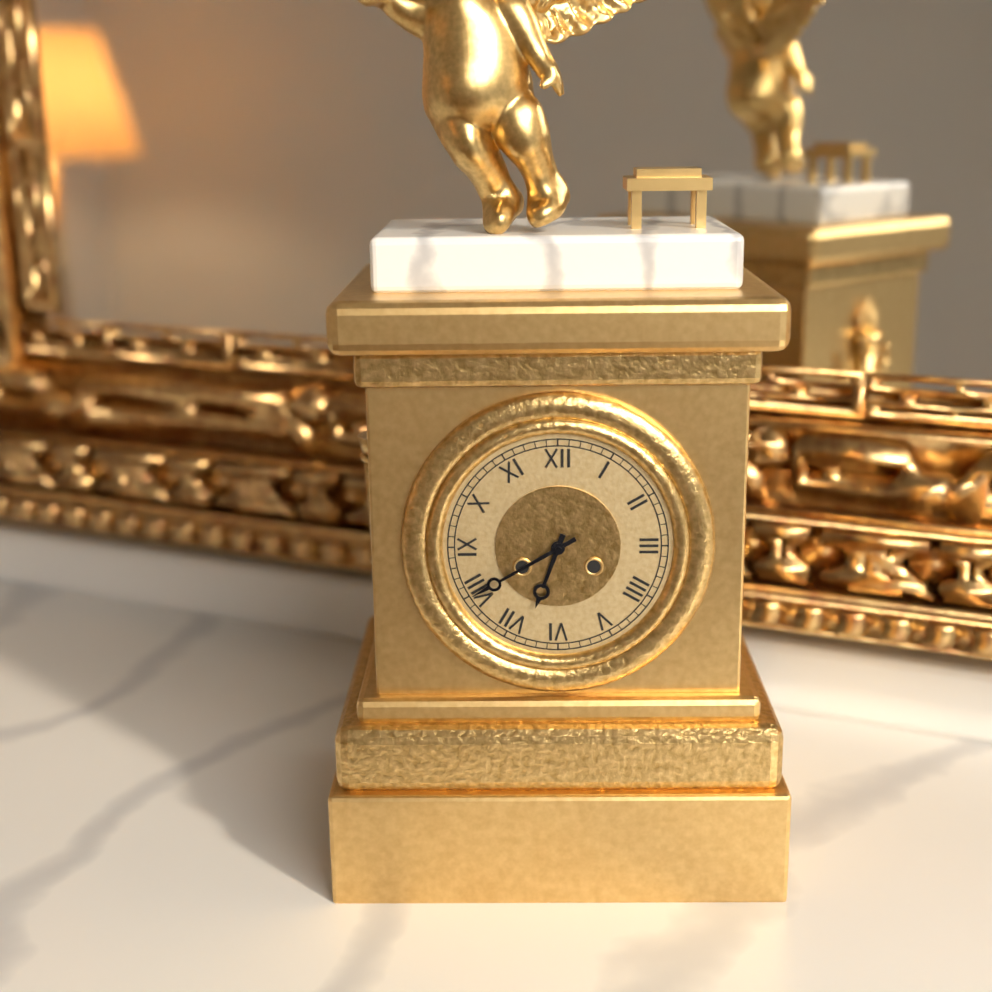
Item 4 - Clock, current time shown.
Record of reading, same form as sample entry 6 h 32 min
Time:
6 h 40 min
